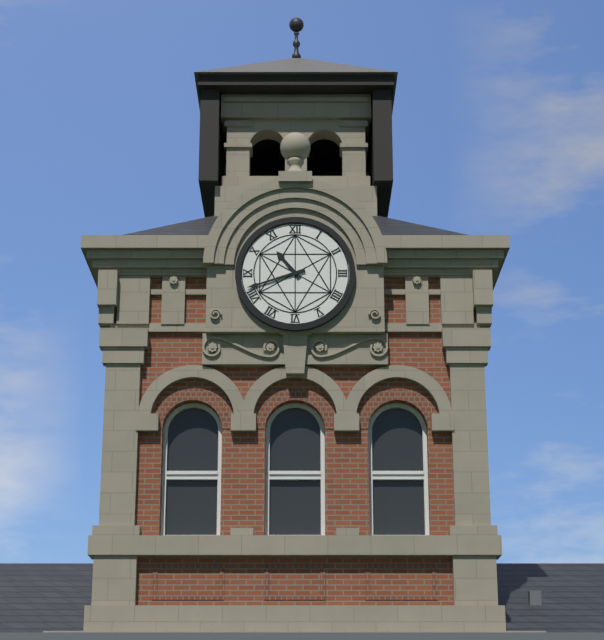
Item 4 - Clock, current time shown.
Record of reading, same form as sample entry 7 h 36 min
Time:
10 h 42 min
